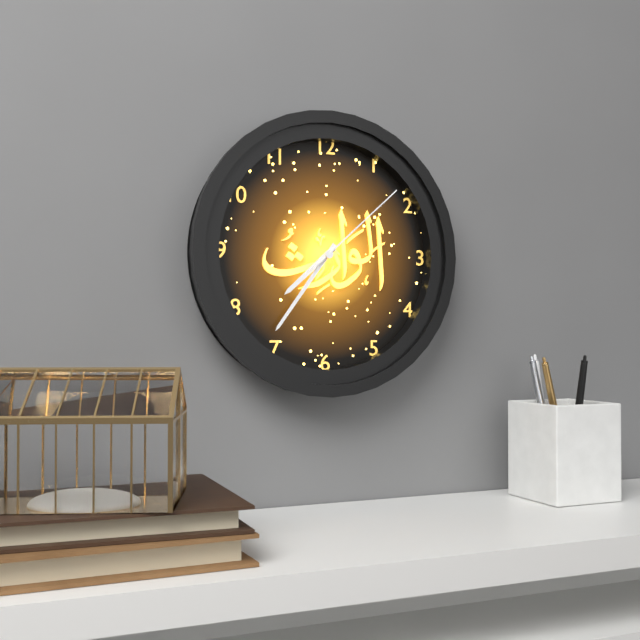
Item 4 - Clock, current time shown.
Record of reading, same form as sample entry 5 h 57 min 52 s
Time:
7 h 36 min 08 s
